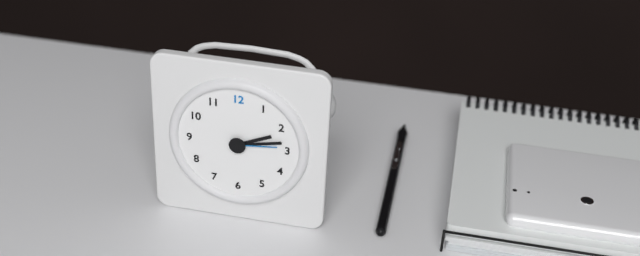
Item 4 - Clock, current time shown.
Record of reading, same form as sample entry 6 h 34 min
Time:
2 h 13 min
